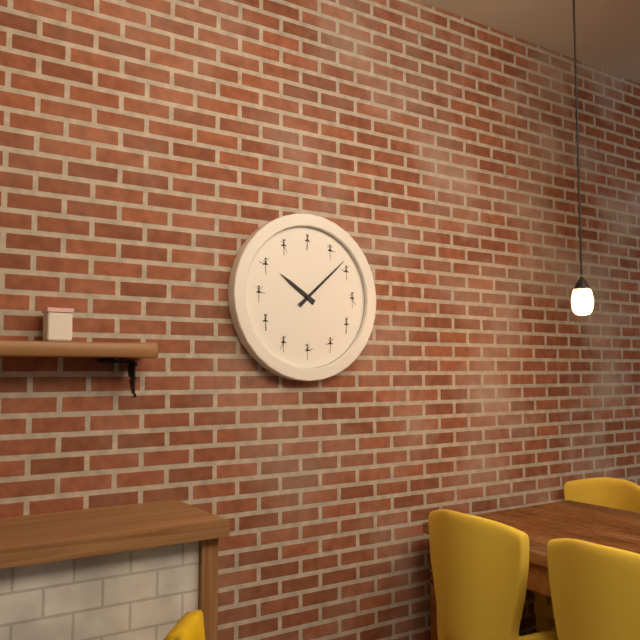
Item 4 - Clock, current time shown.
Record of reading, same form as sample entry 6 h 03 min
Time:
10 h 08 min
